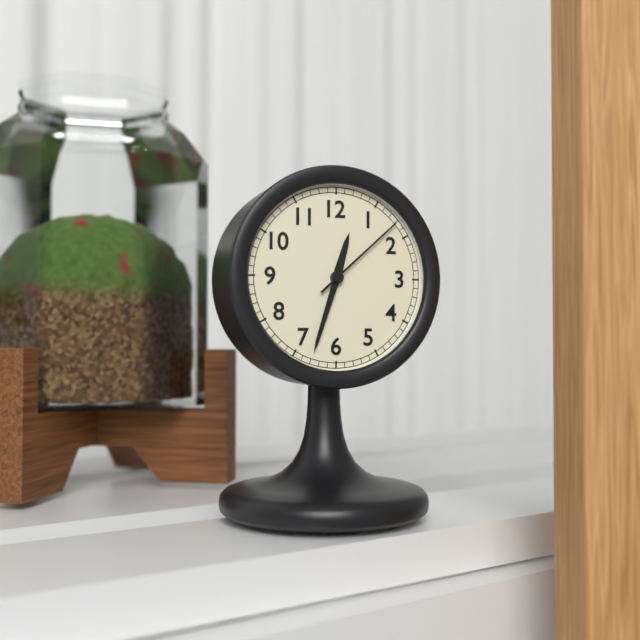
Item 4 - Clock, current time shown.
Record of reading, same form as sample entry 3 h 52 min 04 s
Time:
12 h 33 min 08 s
